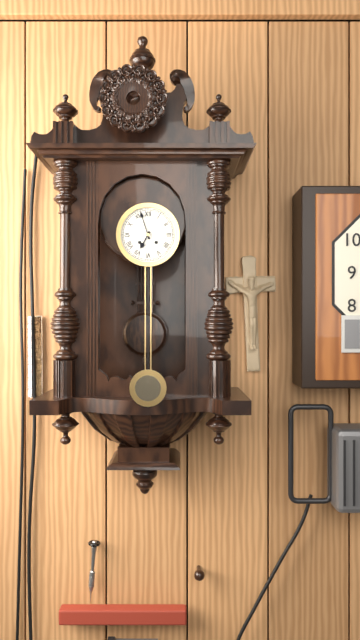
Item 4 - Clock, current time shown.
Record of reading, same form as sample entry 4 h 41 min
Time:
6 h 57 min
